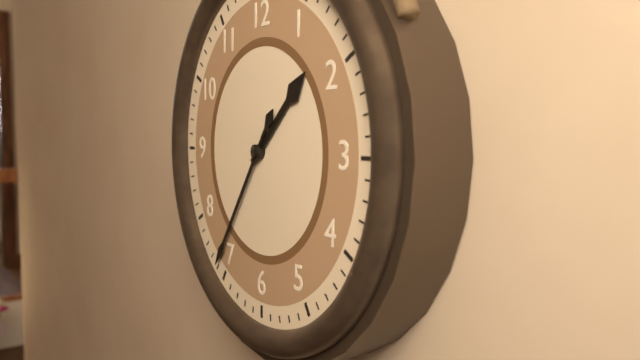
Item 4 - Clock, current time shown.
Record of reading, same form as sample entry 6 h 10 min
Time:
1 h 36 min
